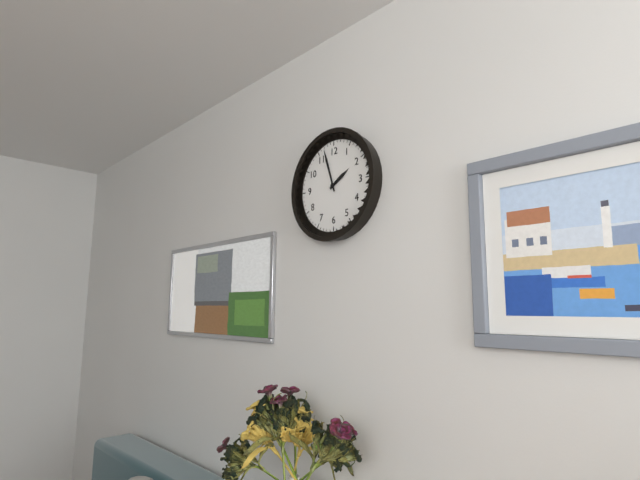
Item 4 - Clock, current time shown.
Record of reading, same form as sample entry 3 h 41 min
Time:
1 h 57 min
